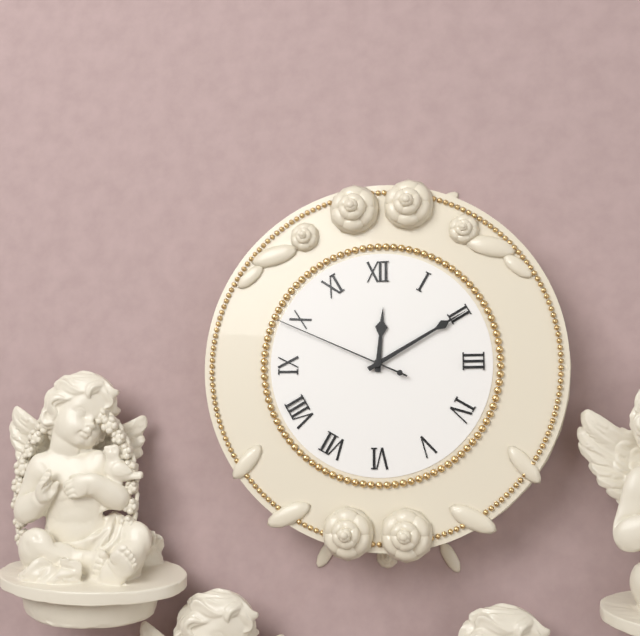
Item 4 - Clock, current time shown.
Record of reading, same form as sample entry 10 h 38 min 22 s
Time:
12 h 10 min 49 s
